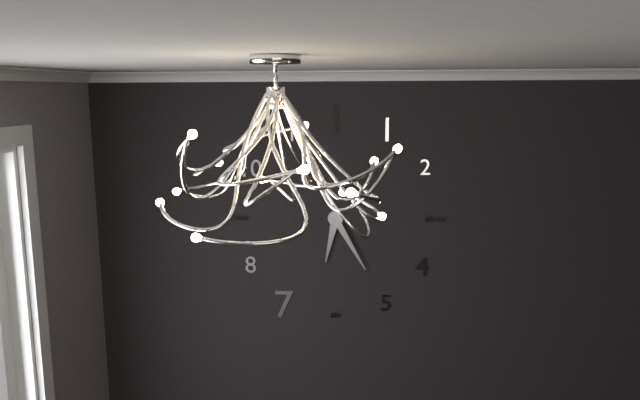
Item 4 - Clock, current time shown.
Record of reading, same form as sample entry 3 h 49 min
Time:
6 h 25 min
